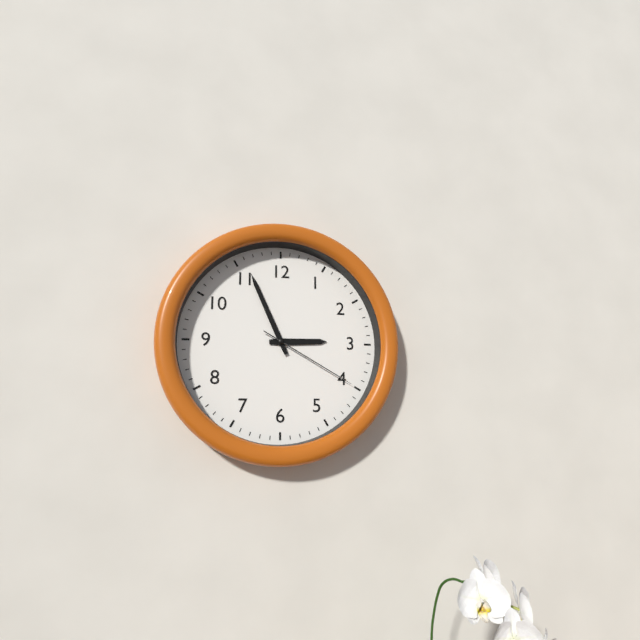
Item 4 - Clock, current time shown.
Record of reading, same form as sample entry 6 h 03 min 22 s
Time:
2 h 56 min 20 s
